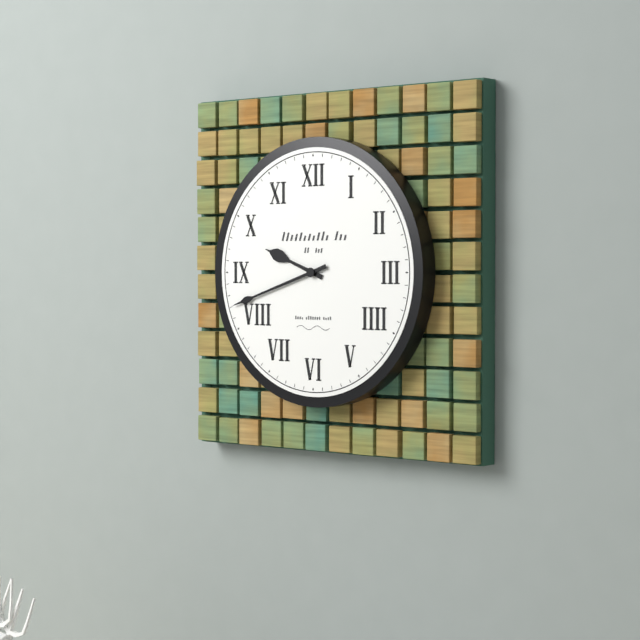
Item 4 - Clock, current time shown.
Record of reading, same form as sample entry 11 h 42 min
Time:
9 h 42 min
